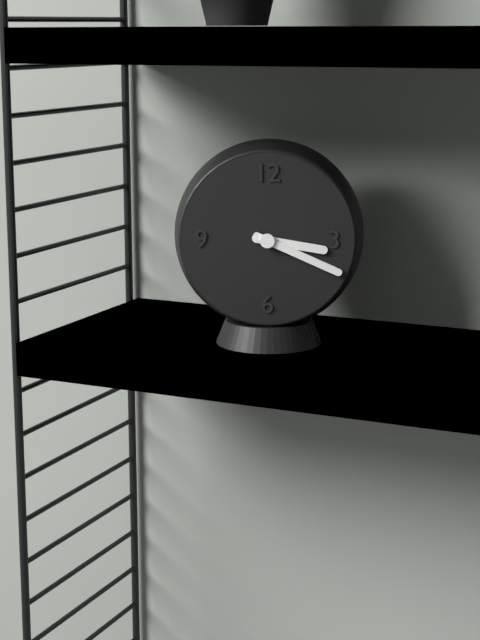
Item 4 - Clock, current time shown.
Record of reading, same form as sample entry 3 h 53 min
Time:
3 h 19 min
